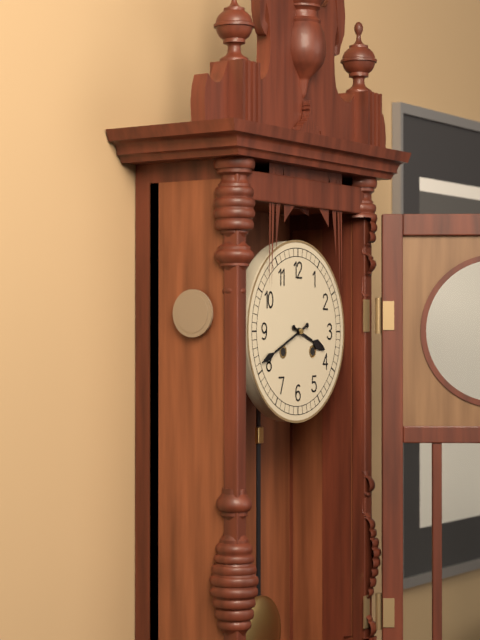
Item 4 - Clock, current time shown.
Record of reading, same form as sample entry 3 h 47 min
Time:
3 h 41 min
